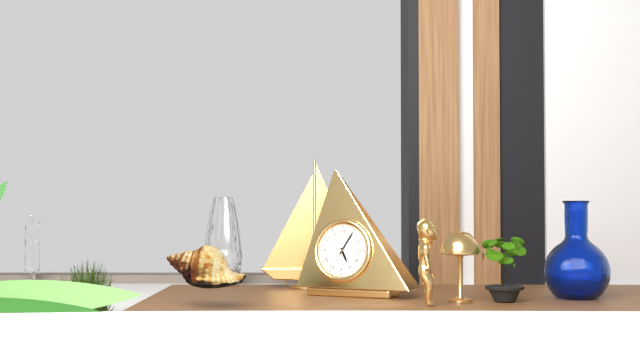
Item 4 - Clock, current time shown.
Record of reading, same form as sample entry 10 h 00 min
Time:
5 h 05 min
